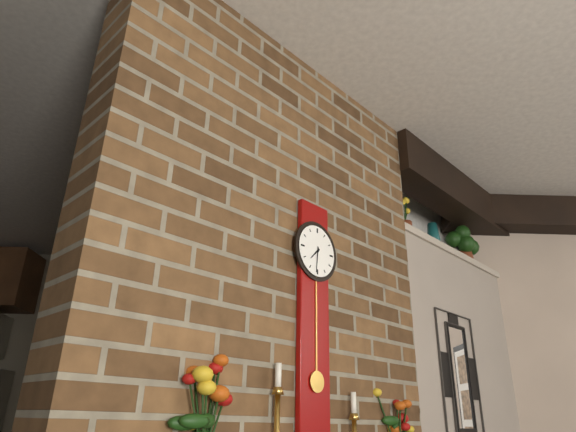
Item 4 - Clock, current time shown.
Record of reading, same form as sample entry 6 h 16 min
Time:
7 h 31 min
